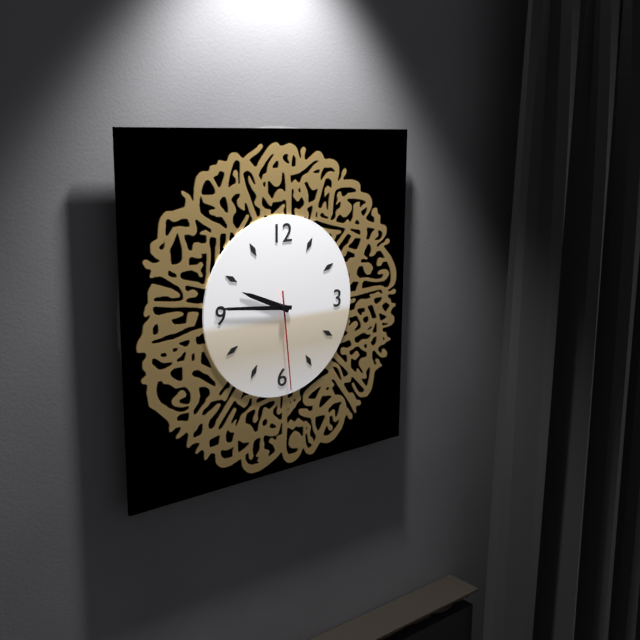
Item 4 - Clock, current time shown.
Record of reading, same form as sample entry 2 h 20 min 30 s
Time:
9 h 46 min 29 s
